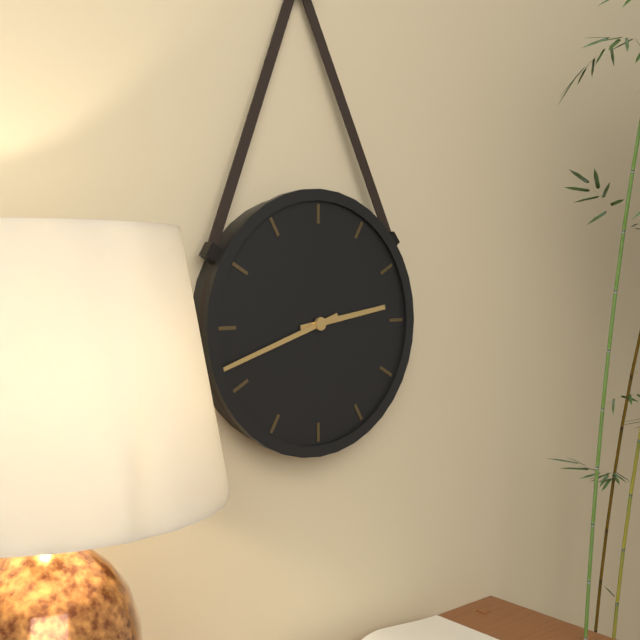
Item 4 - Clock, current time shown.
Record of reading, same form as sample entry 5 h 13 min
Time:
2 h 42 min
